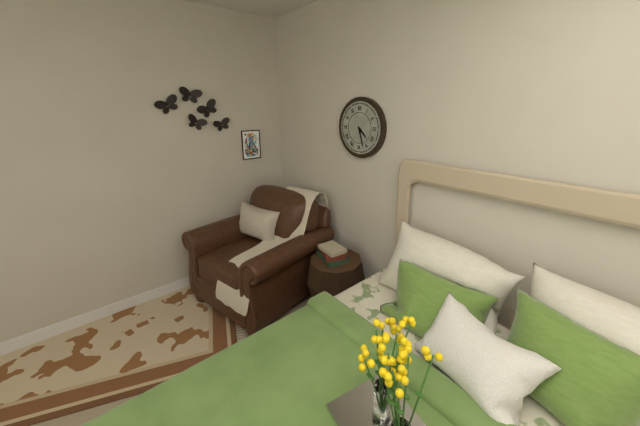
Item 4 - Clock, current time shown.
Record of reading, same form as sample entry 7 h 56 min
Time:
4 h 27 min
